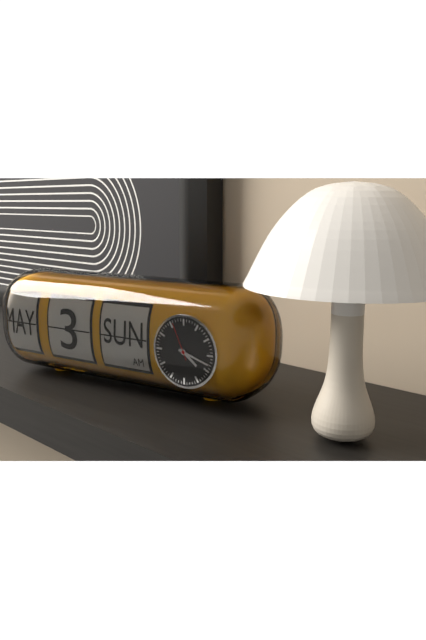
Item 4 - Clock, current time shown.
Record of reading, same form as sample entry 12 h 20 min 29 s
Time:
4 h 18 min 56 s
